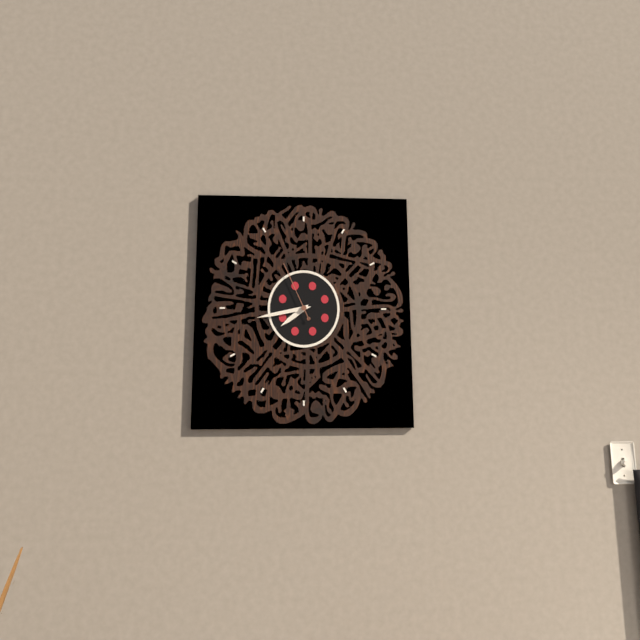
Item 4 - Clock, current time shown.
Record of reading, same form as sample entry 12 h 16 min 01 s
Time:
7 h 43 min 56 s
